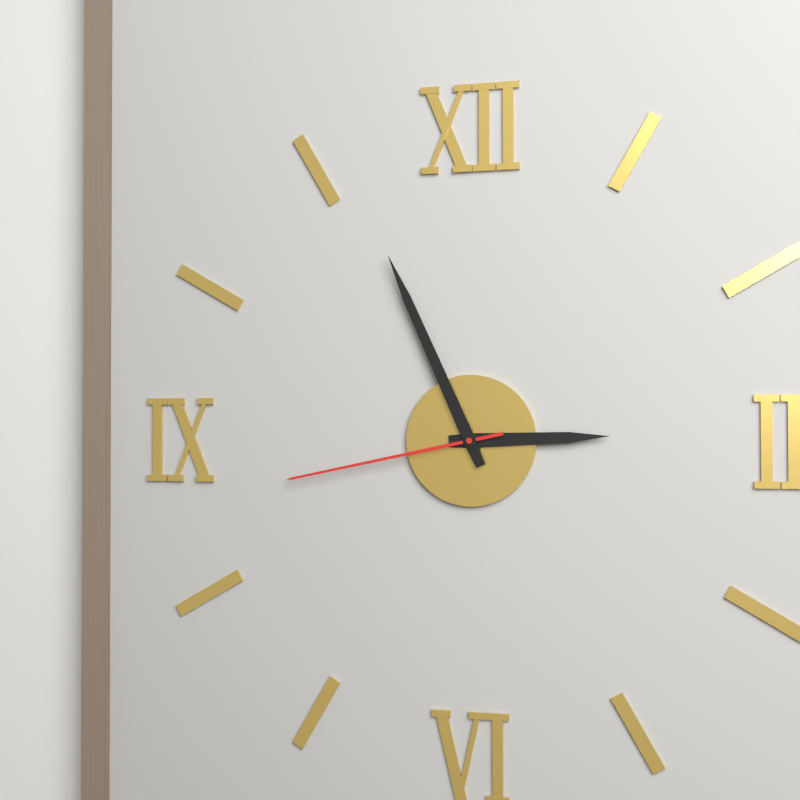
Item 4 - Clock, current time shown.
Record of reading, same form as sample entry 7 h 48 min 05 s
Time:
2 h 56 min 43 s
